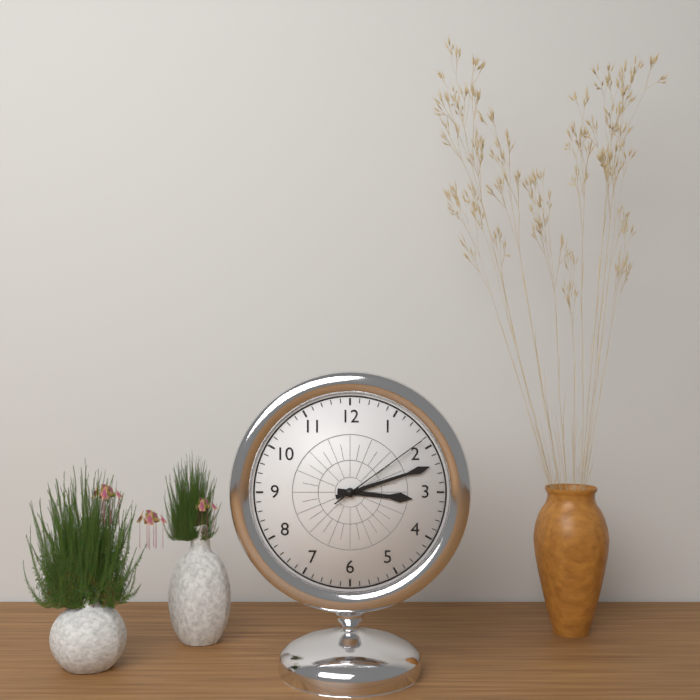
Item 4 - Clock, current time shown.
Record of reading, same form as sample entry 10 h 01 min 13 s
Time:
3 h 12 min 09 s
